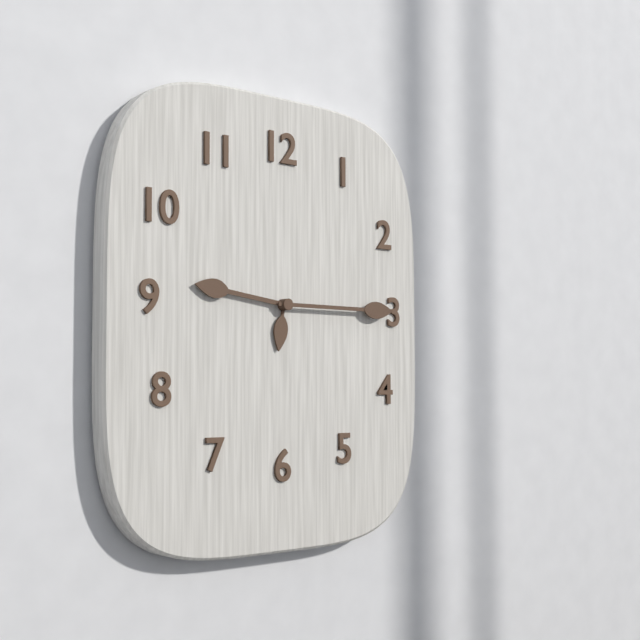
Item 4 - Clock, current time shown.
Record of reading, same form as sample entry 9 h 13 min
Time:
9 h 15 min
